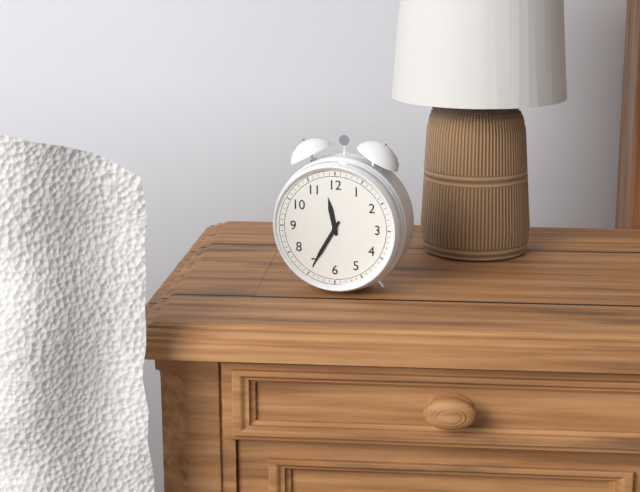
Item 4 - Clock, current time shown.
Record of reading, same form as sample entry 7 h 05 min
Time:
11 h 35 min
